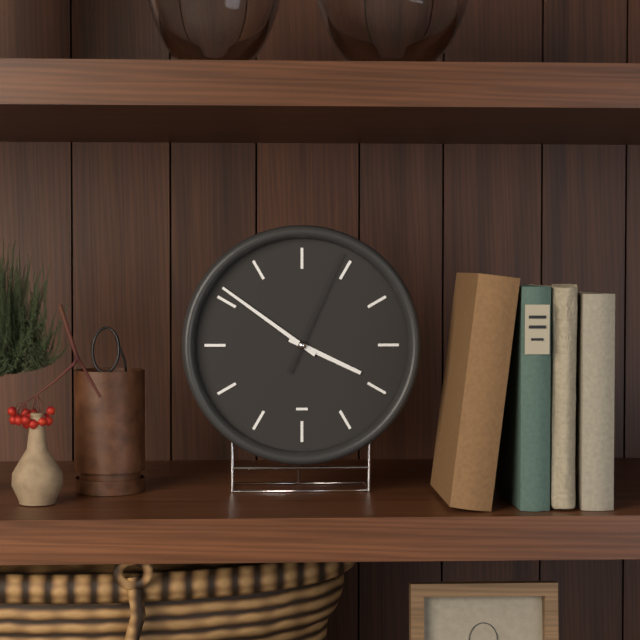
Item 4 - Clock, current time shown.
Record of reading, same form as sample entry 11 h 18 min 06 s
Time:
3 h 51 min 04 s
